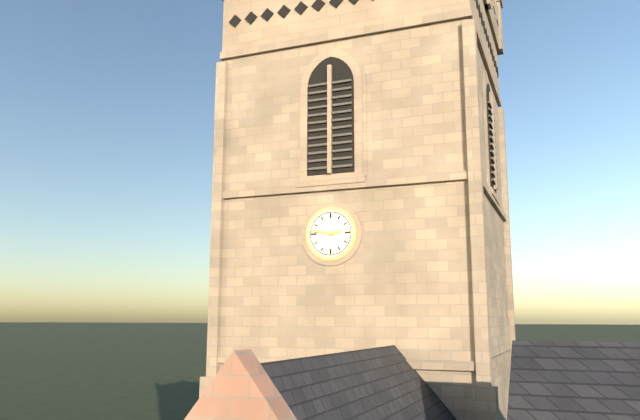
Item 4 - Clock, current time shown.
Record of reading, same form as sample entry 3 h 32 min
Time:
2 h 47 min
